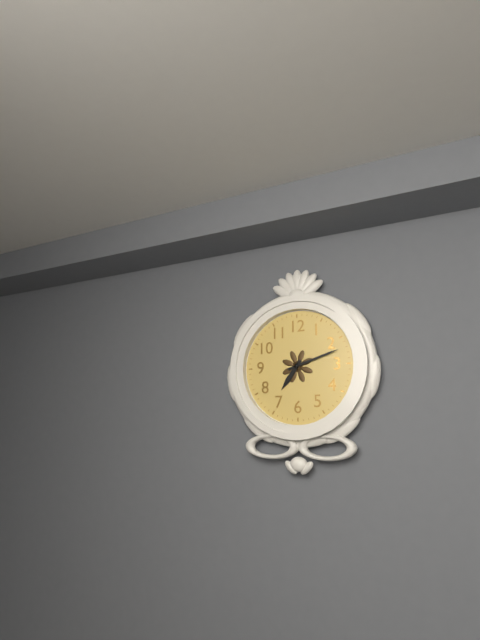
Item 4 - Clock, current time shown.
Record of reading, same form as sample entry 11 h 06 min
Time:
7 h 12 min
